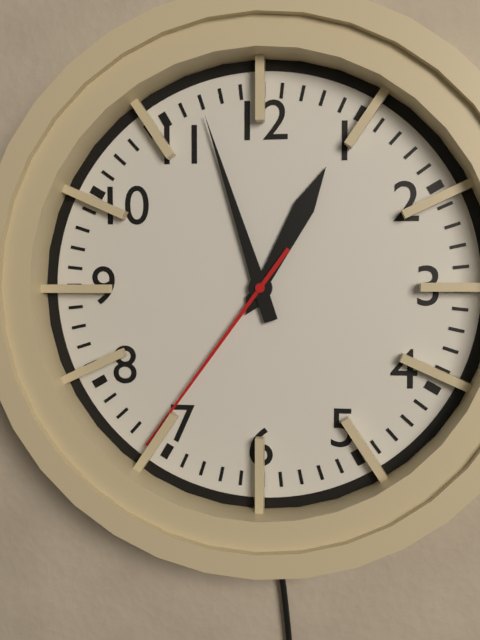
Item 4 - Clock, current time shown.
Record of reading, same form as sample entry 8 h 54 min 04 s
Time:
12 h 57 min 36 s
